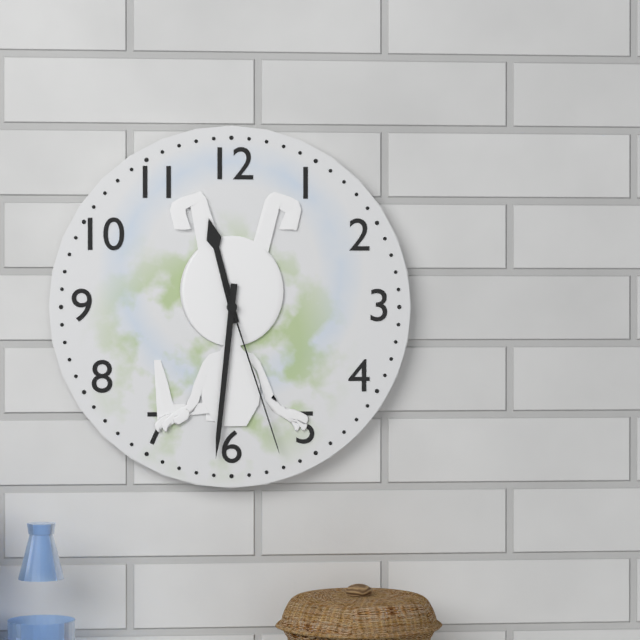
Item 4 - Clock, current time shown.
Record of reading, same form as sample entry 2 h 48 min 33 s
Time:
11 h 31 min 27 s
